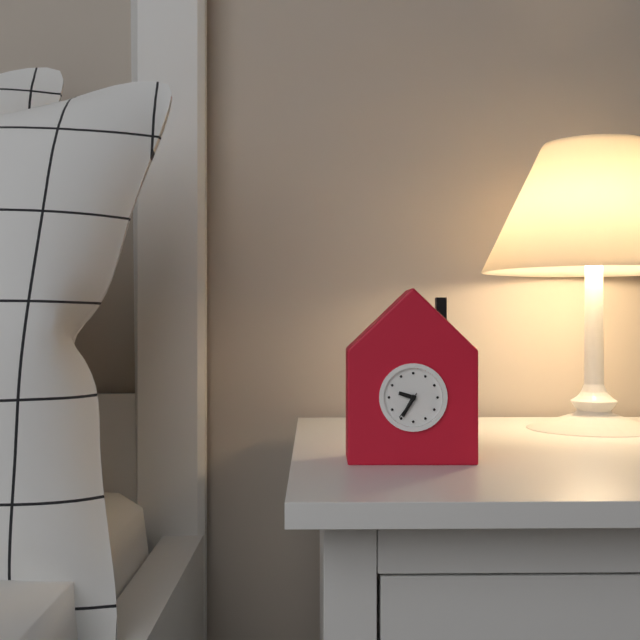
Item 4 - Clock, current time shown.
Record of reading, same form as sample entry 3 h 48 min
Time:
9 h 35 min
